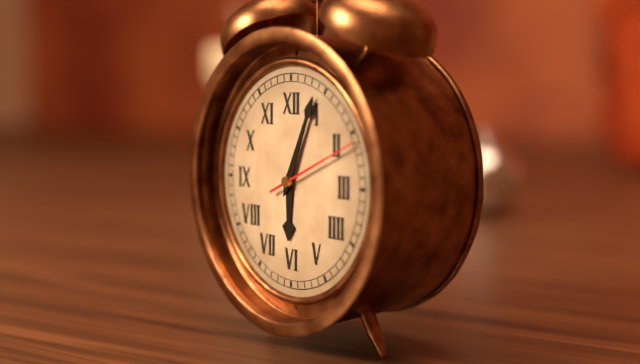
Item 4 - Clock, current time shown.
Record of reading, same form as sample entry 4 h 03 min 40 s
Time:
6 h 04 min 11 s
